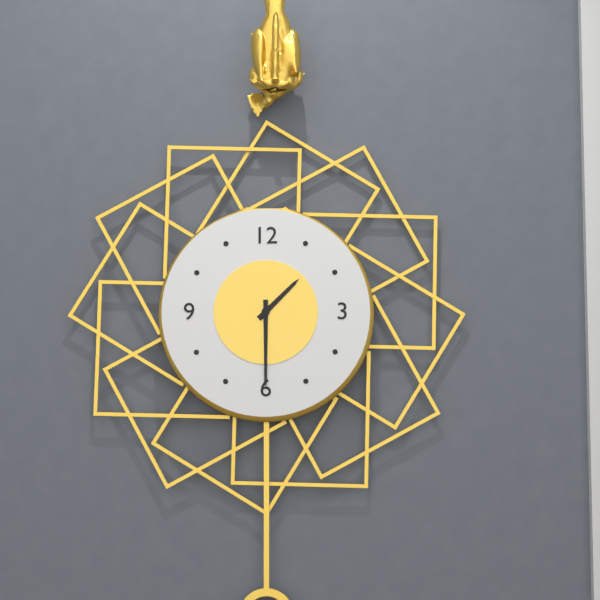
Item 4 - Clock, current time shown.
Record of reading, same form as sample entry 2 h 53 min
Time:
1 h 30 min
